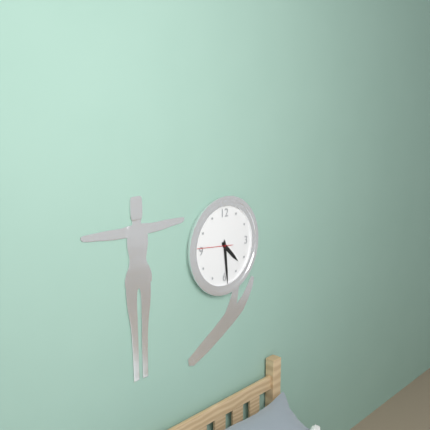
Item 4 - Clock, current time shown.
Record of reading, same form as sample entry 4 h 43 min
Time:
4 h 29 min
